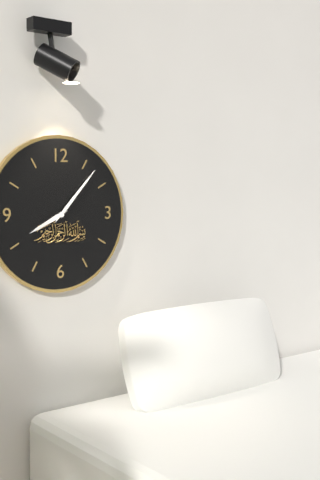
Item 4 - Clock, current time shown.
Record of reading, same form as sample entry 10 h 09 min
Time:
8 h 07 min
